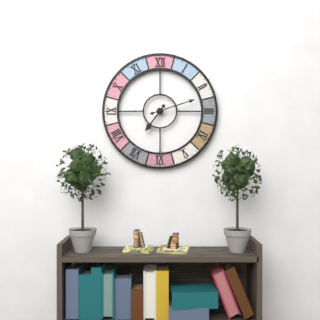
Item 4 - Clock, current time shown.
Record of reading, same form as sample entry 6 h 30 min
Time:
7 h 12 min
